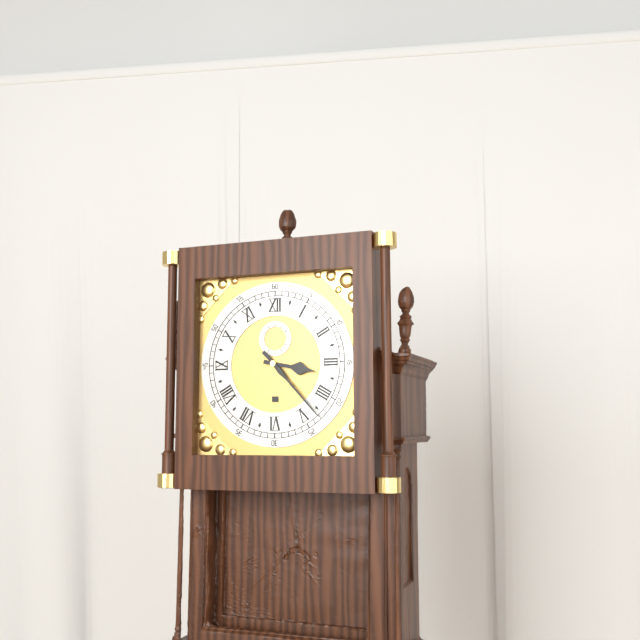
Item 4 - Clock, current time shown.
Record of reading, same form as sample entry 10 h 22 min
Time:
3 h 23 min
